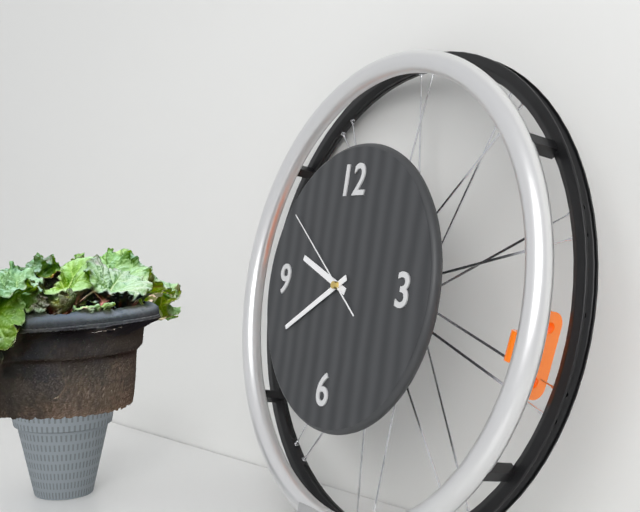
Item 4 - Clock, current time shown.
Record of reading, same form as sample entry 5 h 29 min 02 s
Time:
9 h 40 min 51 s
